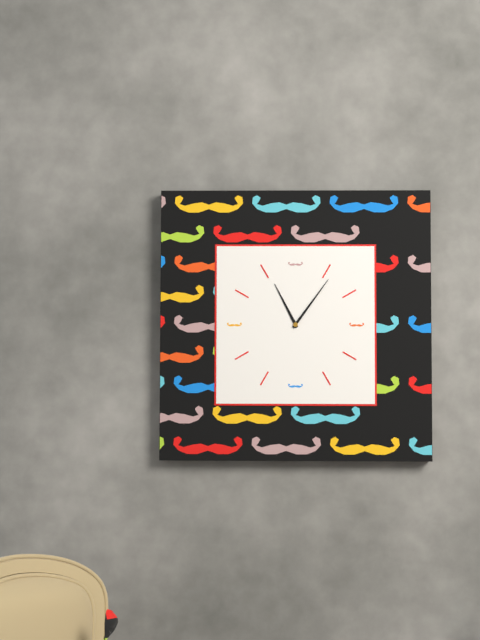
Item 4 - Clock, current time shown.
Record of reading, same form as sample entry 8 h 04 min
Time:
11 h 06 min
